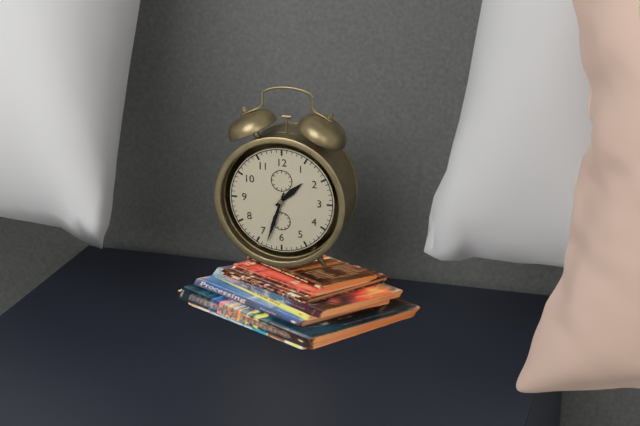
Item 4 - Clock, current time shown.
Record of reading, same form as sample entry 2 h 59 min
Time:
1 h 33 min
